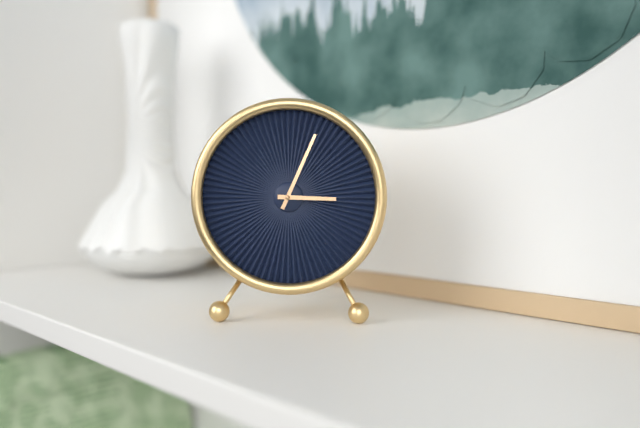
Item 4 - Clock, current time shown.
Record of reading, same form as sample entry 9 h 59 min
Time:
3 h 04 min
